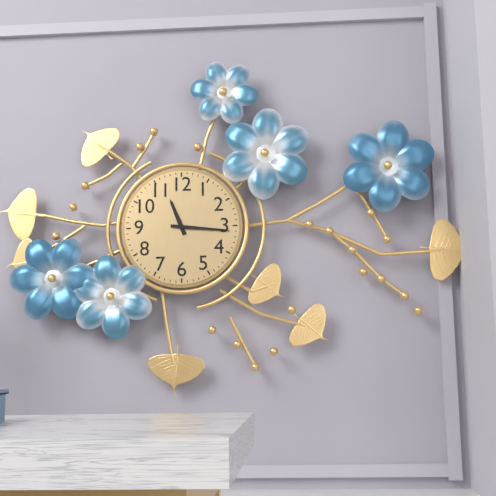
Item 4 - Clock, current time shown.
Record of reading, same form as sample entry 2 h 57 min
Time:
11 h 16 min
